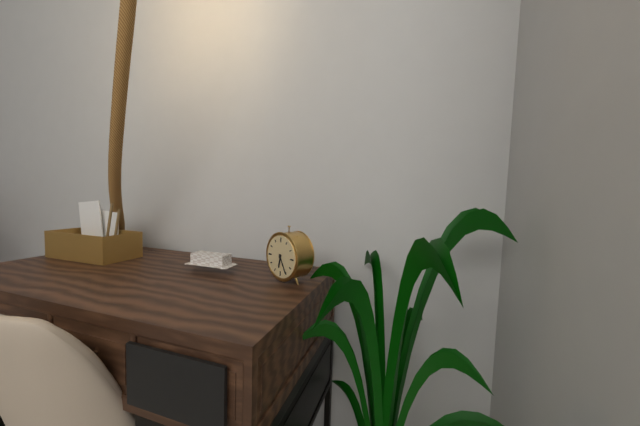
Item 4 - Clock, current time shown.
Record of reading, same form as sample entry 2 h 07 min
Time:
6 h 25 min
